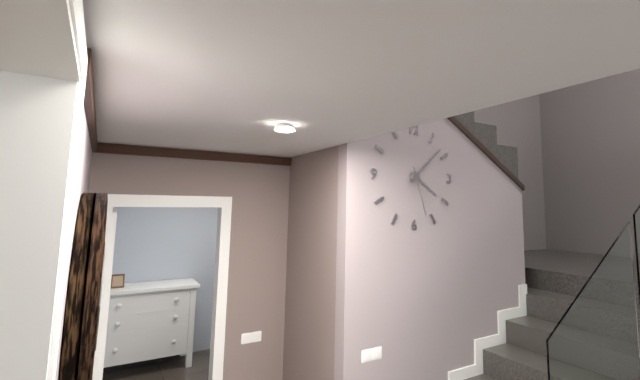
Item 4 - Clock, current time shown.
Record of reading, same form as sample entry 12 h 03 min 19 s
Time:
4 h 08 min 27 s
